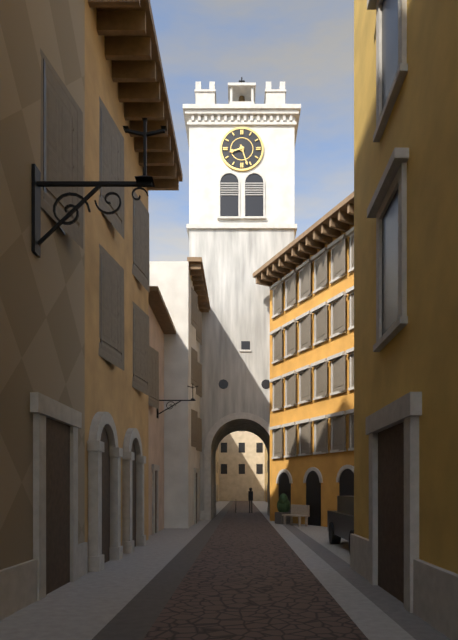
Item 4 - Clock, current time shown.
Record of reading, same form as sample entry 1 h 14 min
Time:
8 h 27 min
